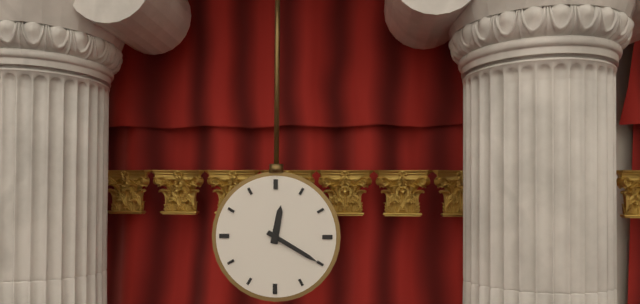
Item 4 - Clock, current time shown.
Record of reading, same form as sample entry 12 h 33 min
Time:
12 h 20 min
